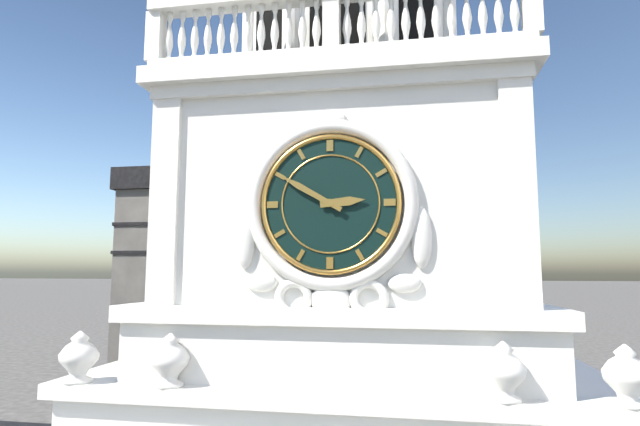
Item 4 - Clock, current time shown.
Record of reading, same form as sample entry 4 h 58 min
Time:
2 h 50 min
